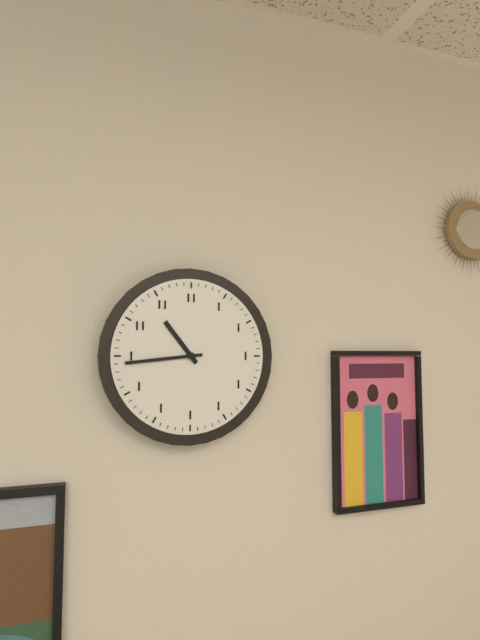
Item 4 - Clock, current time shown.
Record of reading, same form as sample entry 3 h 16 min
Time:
10 h 44 min
